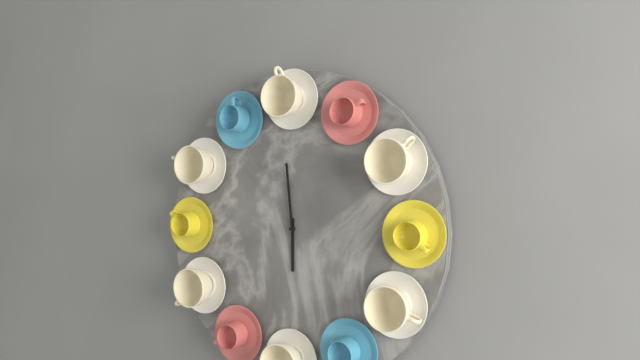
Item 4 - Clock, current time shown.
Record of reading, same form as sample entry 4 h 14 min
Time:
5 h 59 min
